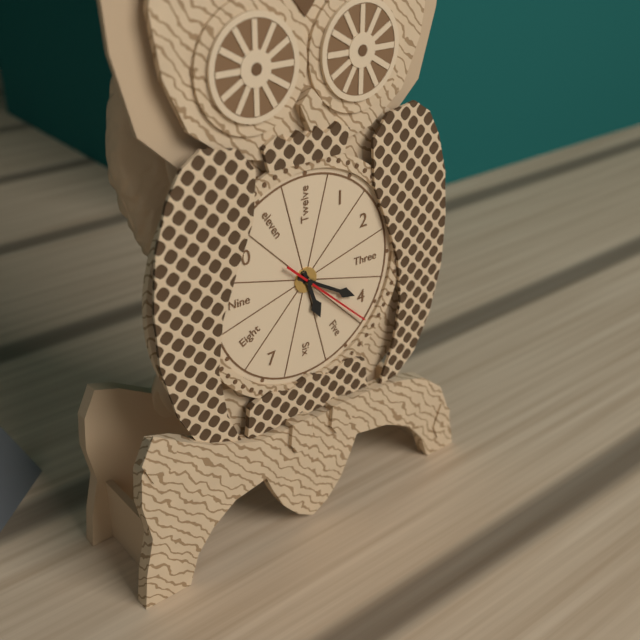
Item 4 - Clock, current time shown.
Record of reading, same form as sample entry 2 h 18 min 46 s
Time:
5 h 20 min 22 s
